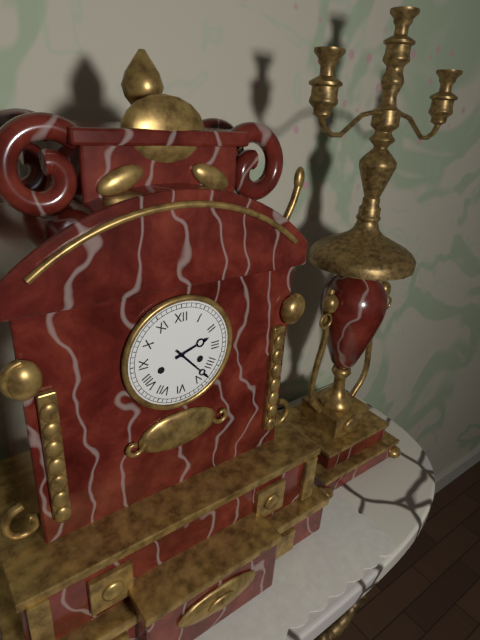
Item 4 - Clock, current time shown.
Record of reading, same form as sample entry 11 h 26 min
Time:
2 h 23 min
